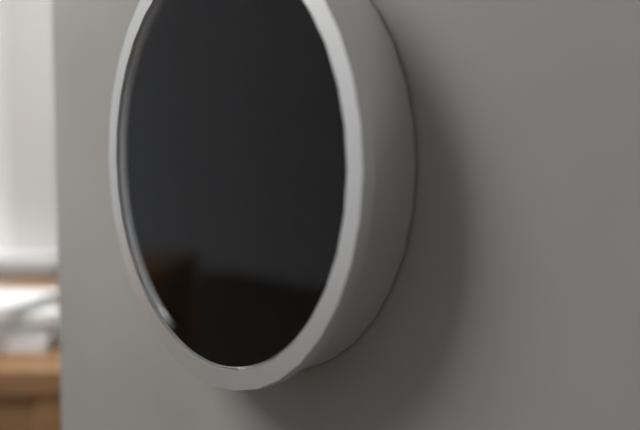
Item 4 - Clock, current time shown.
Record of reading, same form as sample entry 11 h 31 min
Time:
10 h 38 min
